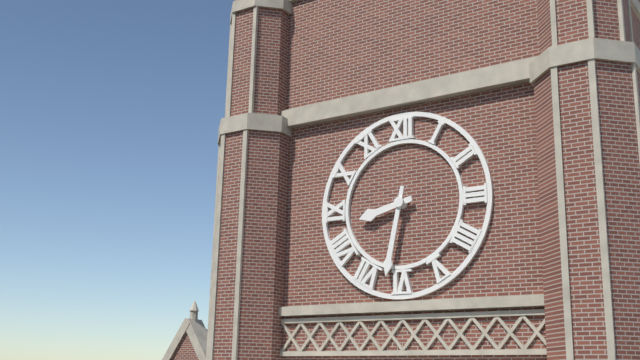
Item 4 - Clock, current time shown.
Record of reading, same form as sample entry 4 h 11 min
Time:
8 h 32 min
